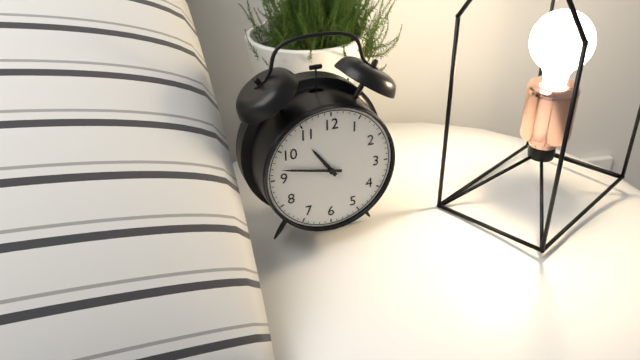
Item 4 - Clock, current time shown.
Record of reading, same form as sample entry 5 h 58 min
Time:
10 h 47 min
